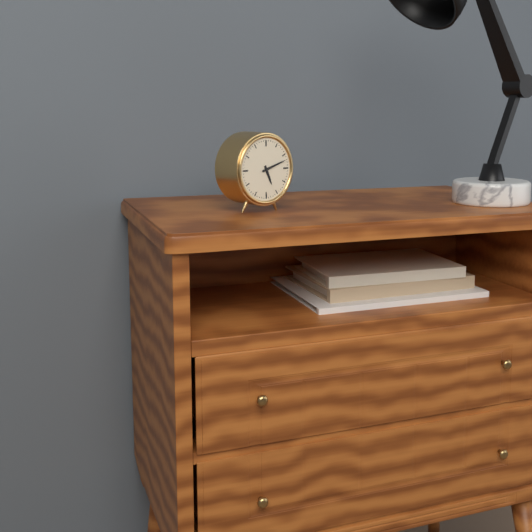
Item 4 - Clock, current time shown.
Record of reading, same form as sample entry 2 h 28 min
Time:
5 h 12 min
